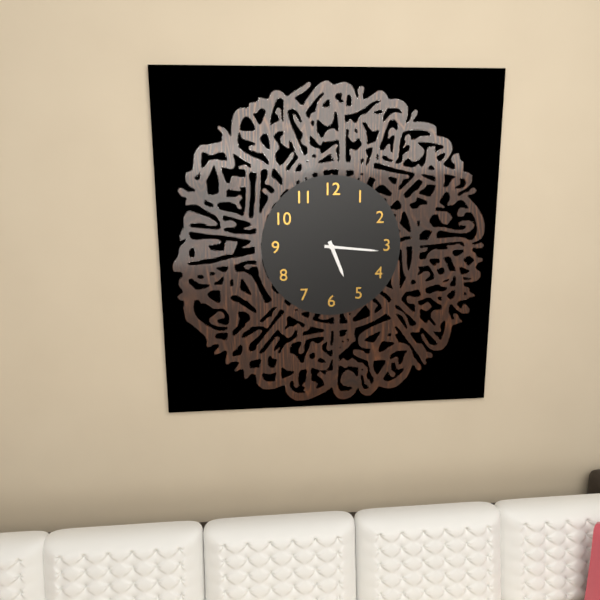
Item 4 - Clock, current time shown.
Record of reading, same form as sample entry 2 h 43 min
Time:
5 h 16 min
